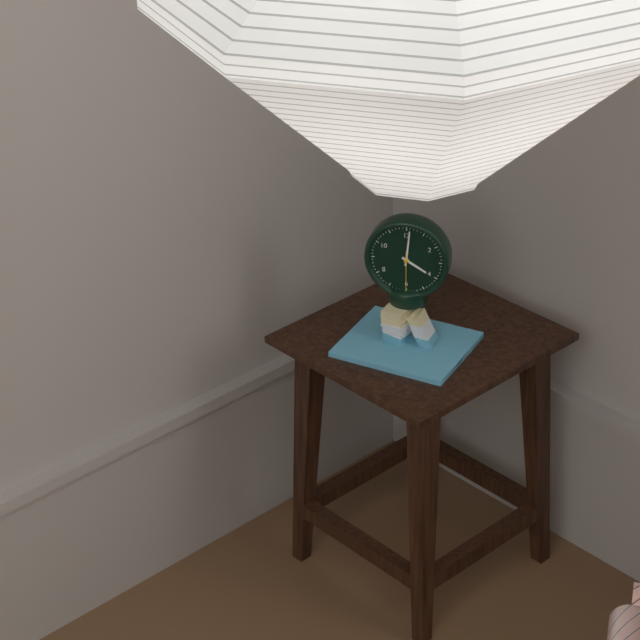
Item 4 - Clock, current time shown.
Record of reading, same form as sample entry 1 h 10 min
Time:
4 h 01 min
